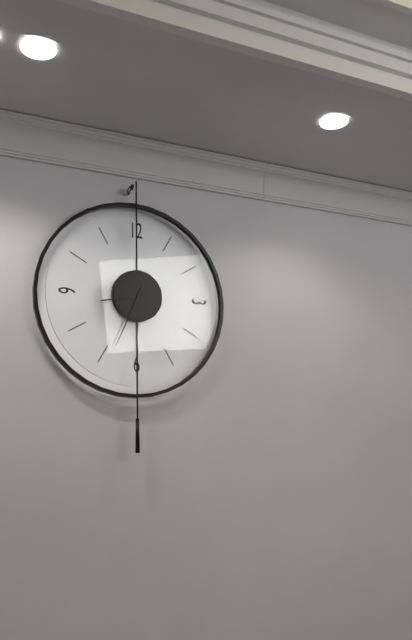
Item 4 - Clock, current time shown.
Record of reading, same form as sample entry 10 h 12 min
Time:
8 h 34 min
